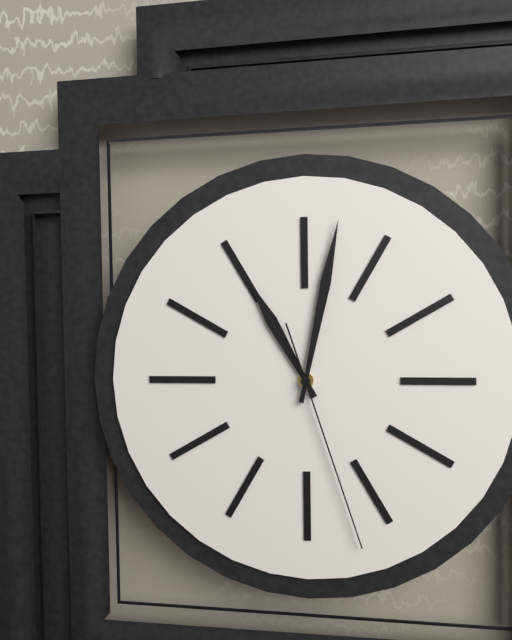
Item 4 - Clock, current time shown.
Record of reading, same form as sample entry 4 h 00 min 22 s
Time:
11 h 02 min 27 s
